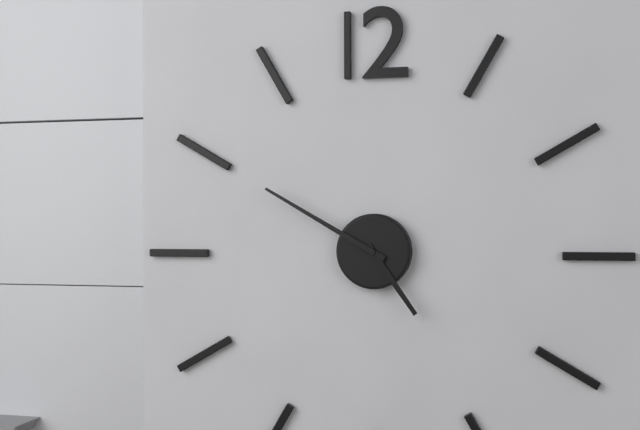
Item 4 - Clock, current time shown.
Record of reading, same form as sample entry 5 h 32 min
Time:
4 h 50 min
